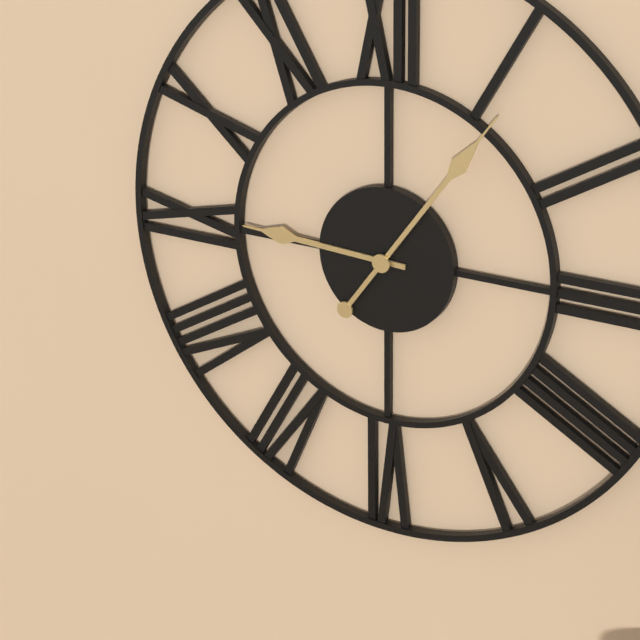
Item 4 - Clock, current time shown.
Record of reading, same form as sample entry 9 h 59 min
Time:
9 h 06 min
